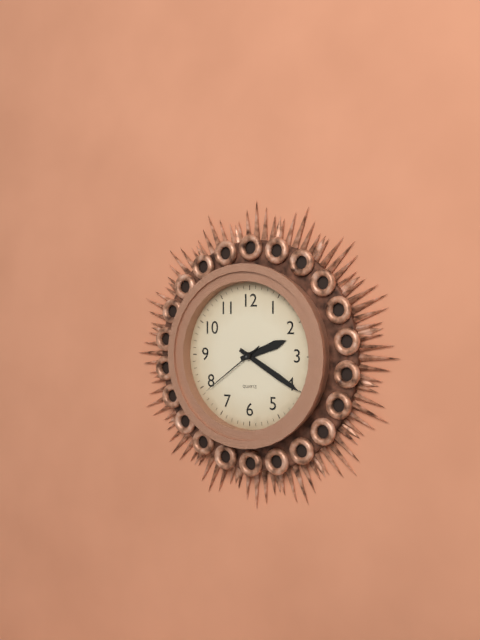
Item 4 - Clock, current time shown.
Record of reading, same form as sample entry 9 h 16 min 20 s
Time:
2 h 20 min 39 s
